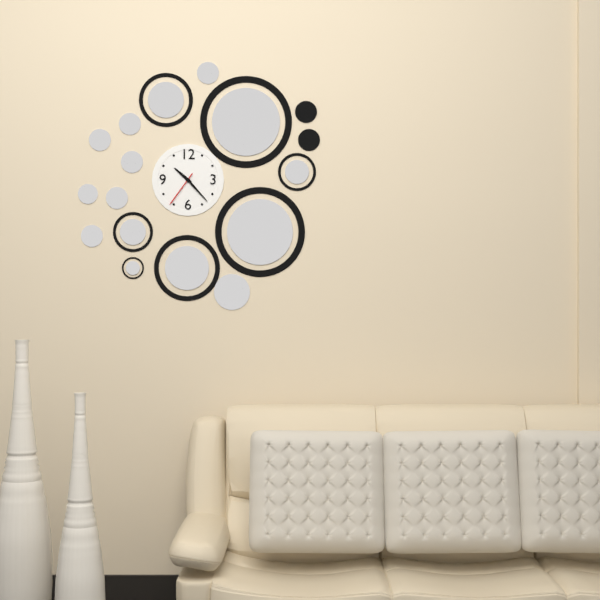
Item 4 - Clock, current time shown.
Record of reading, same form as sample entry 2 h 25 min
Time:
10 h 23 min
